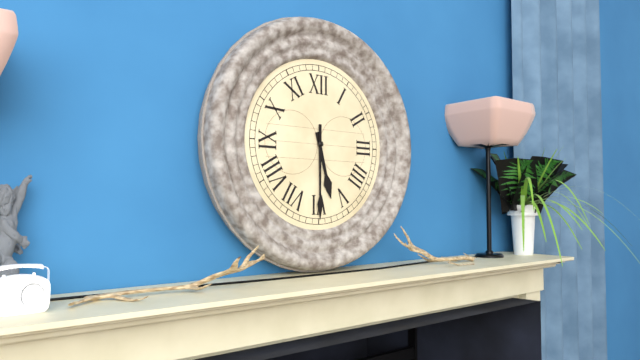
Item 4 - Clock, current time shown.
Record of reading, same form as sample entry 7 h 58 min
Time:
5 h 30 min
